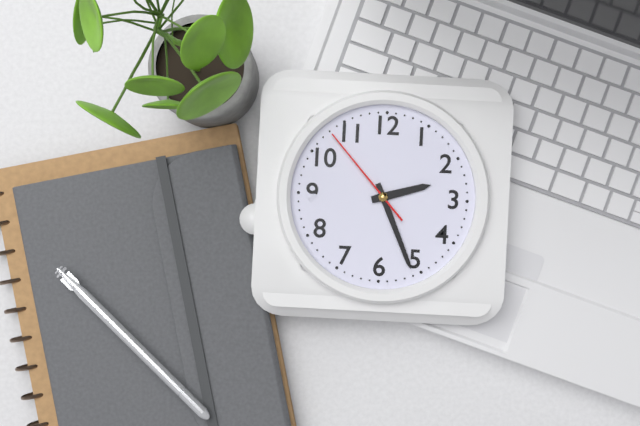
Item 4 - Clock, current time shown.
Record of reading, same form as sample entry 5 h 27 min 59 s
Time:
2 h 26 min 53 s
